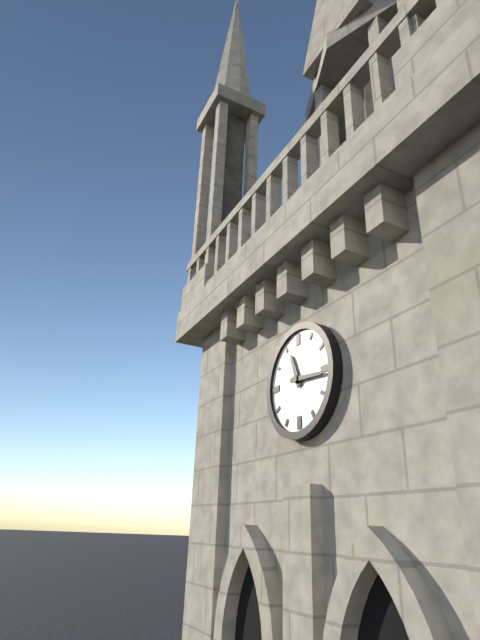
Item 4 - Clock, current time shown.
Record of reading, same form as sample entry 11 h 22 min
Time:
11 h 16 min
